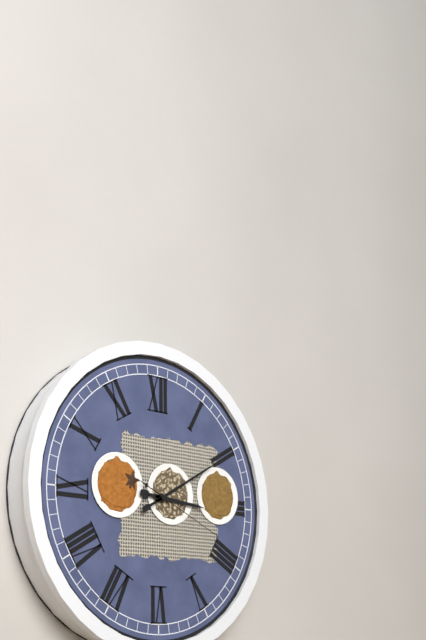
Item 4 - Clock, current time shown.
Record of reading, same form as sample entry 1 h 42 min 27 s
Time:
3 h 10 min 19 s
